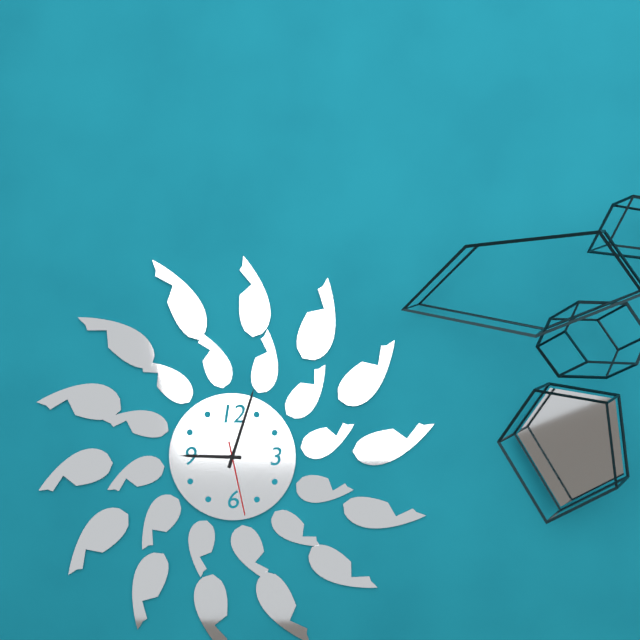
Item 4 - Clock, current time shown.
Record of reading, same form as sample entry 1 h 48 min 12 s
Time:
9 h 03 min 28 s
